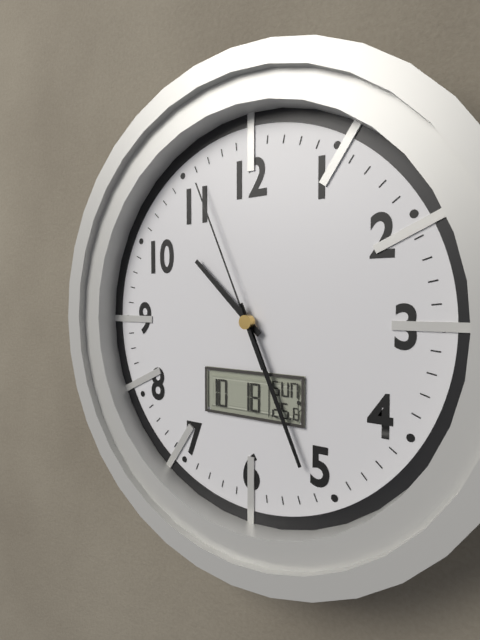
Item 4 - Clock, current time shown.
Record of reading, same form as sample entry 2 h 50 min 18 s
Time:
10 h 26 min 56 s
